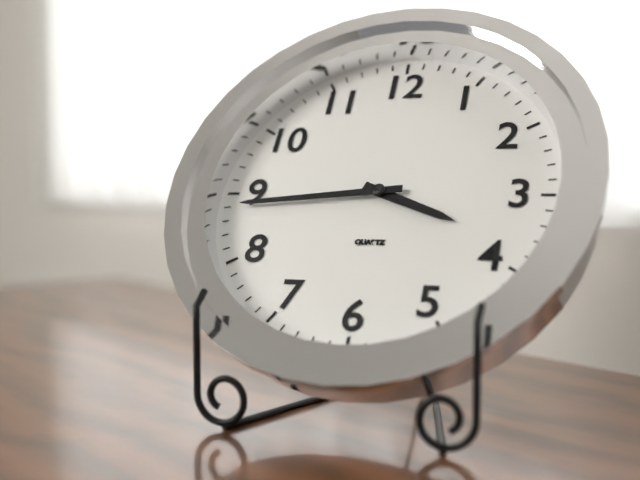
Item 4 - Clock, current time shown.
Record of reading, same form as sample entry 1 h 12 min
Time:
3 h 44 min
